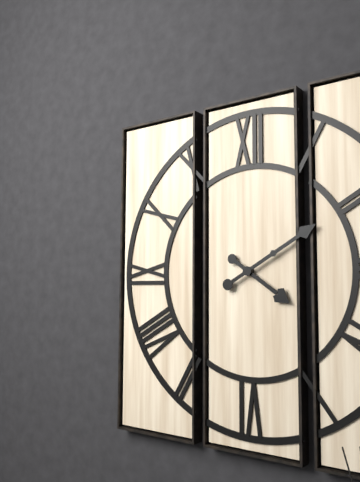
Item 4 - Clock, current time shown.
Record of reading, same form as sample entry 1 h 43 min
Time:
4 h 10 min
